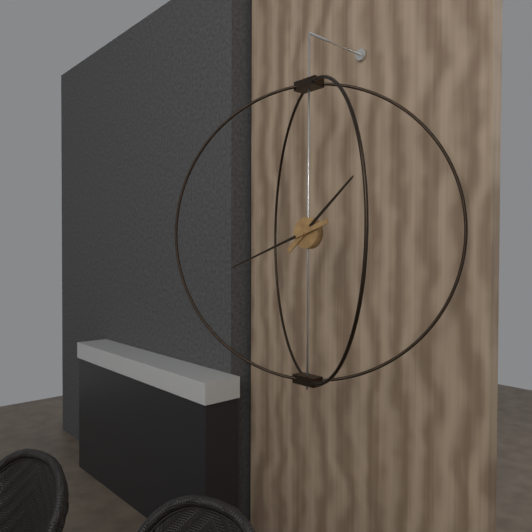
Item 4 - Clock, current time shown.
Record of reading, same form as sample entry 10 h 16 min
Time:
1 h 42 min
